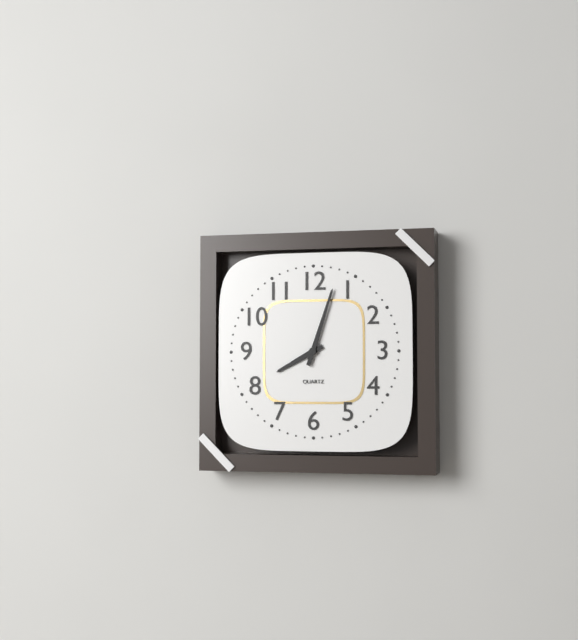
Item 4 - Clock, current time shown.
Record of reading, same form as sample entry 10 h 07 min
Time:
8 h 03 min
